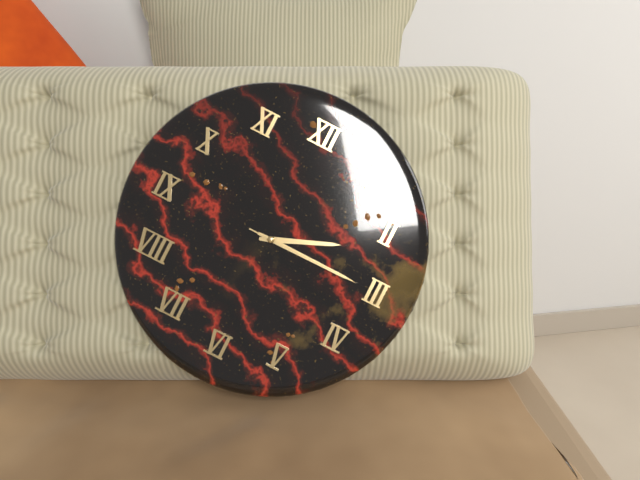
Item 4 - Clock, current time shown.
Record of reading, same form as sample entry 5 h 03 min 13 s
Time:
2 h 15 min 15 s
